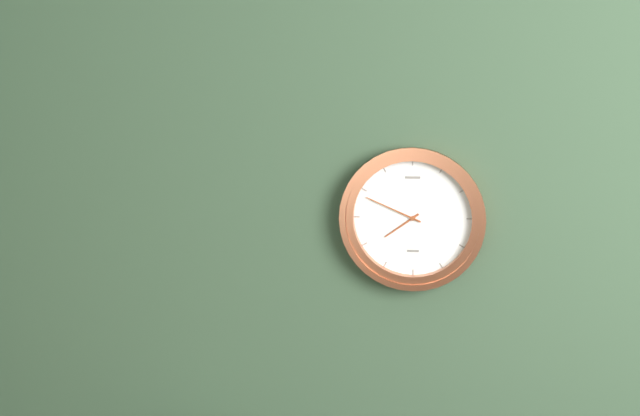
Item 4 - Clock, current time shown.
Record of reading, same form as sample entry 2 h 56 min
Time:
7 h 49 min
